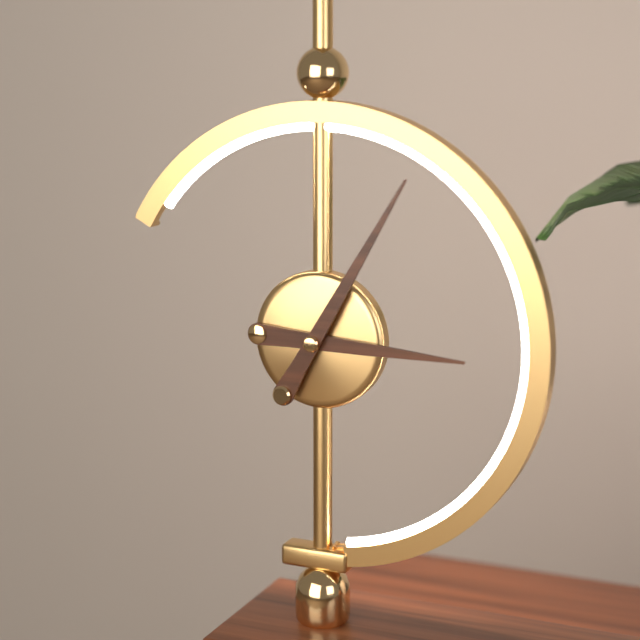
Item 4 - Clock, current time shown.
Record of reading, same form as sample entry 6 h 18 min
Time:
3 h 05 min
